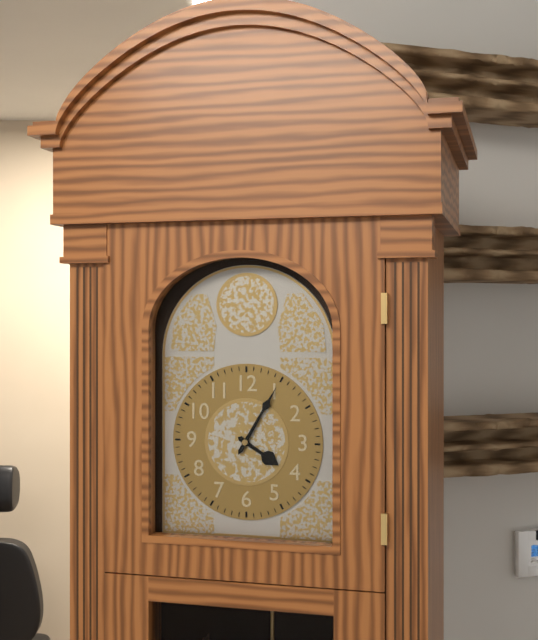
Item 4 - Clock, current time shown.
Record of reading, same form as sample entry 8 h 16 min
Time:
4 h 05 min
